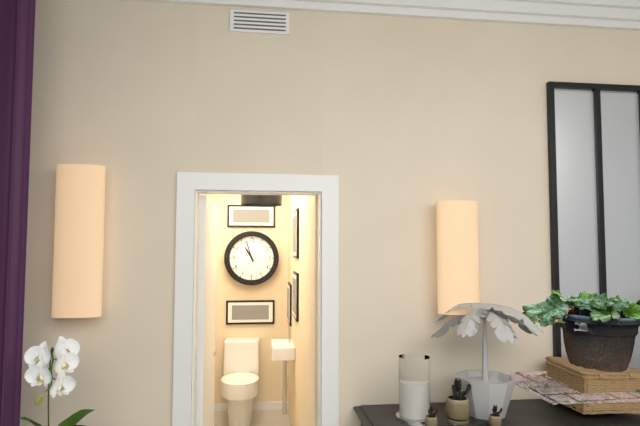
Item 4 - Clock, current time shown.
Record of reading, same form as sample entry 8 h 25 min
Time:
10 h 57 min
